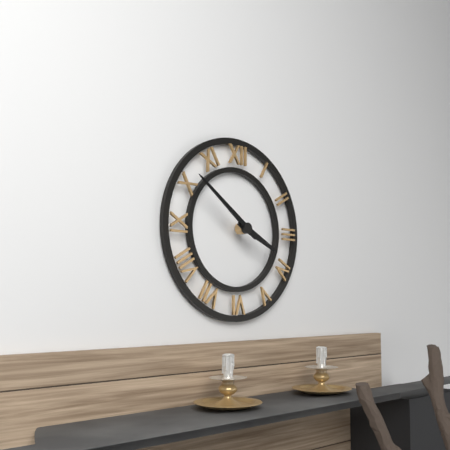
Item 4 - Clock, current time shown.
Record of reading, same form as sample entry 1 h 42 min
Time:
3 h 51 min
